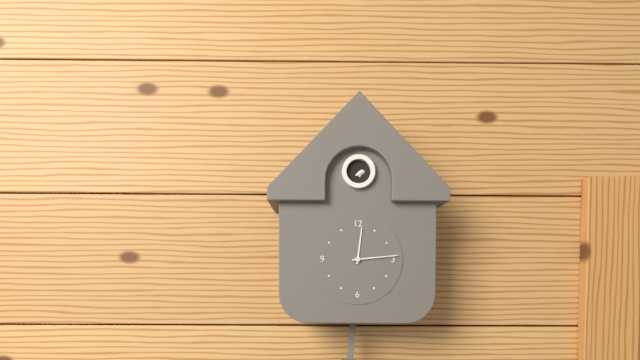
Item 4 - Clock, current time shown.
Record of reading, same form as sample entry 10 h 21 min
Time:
12 h 14 min
